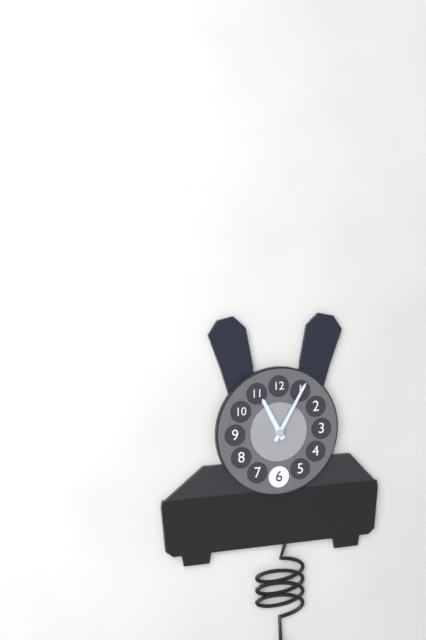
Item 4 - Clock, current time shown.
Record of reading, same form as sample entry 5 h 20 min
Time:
11 h 05 min
